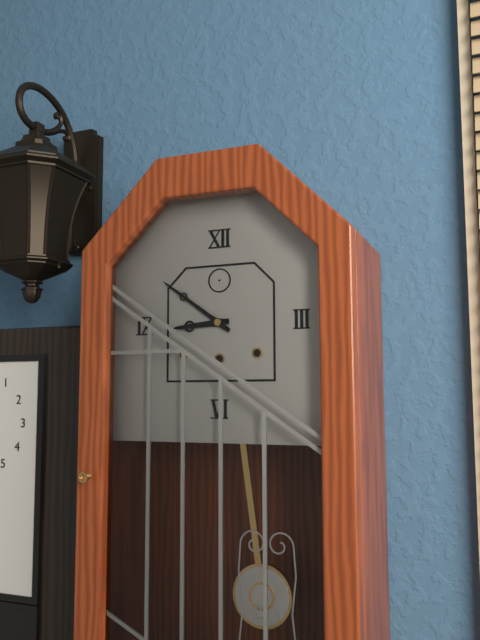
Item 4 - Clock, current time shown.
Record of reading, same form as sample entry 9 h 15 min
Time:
8 h 51 min
